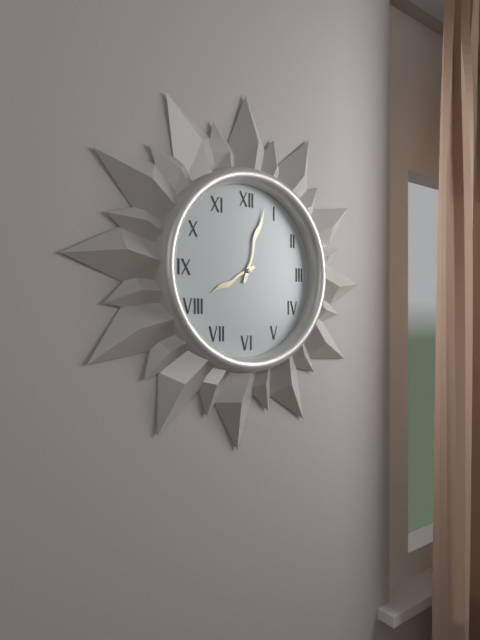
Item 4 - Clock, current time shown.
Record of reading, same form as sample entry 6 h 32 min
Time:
8 h 03 min
